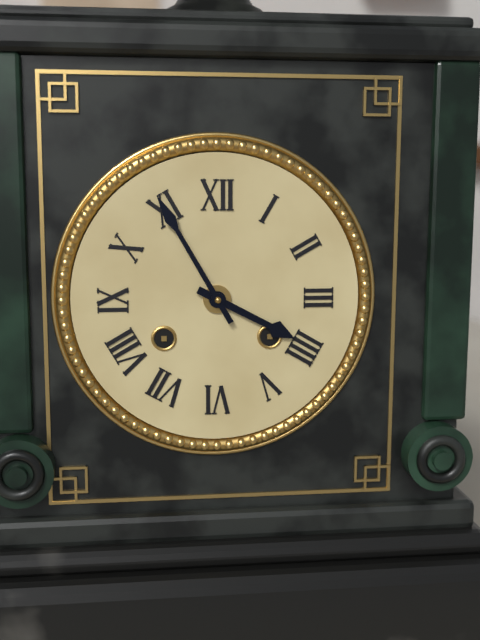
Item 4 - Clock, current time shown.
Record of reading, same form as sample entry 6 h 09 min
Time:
3 h 55 min
